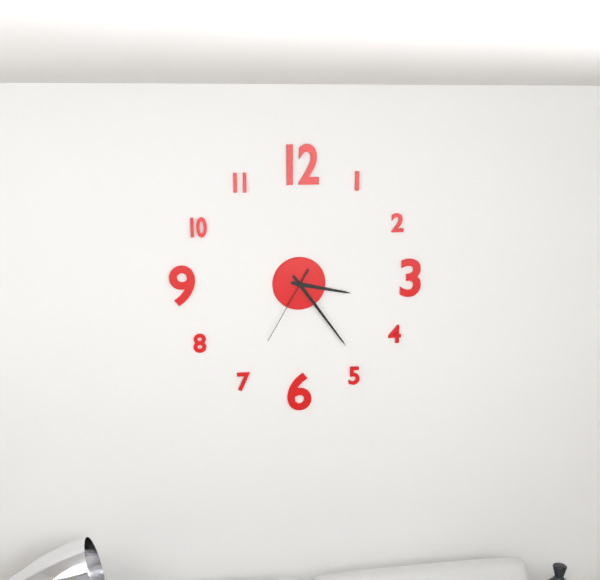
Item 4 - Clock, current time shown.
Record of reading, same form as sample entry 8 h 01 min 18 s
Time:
3 h 24 min 35 s
